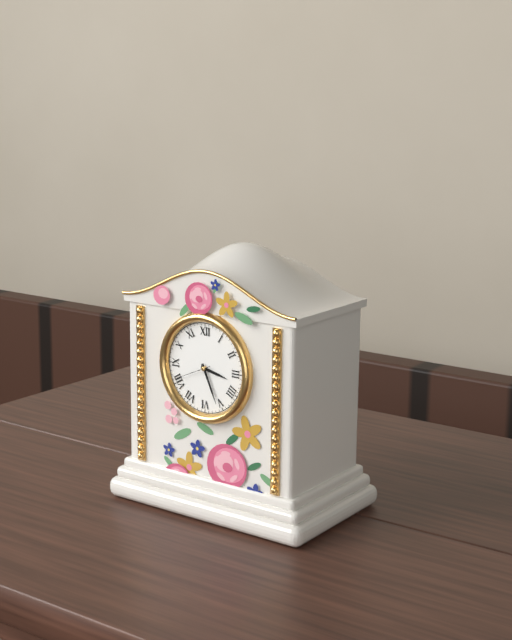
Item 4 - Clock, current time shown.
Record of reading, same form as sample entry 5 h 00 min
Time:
3 h 26 min
